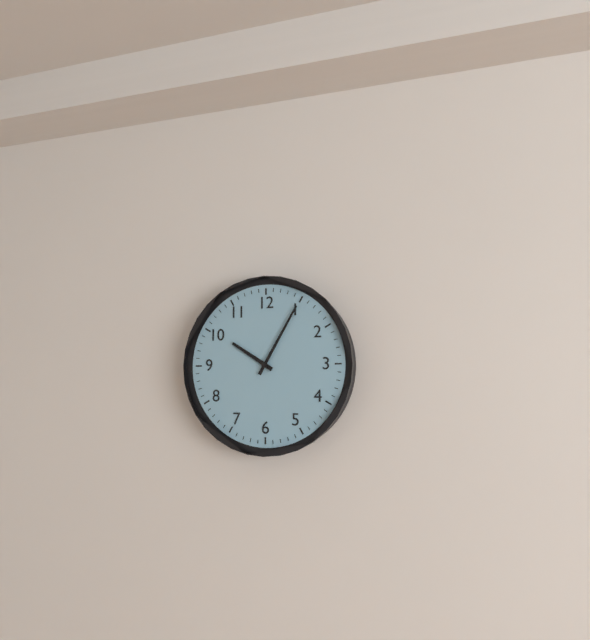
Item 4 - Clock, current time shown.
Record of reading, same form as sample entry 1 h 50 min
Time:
10 h 05 min
